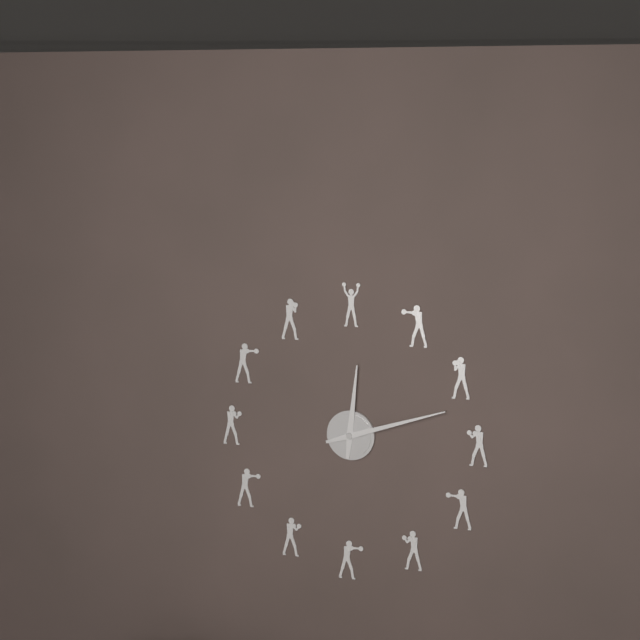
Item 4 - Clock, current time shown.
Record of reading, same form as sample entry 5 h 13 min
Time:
12 h 12 min
